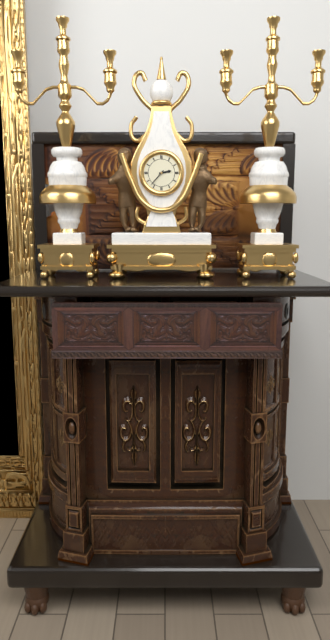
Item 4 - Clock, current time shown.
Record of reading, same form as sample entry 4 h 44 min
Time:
2 h 37 min
